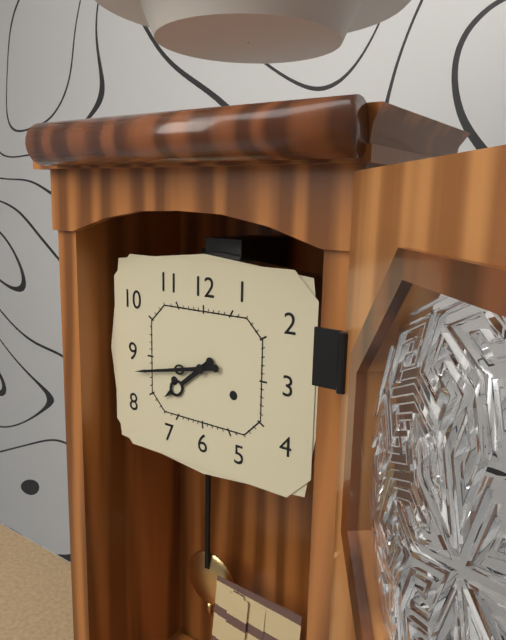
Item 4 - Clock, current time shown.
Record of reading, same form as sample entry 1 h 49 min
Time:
7 h 43 min
